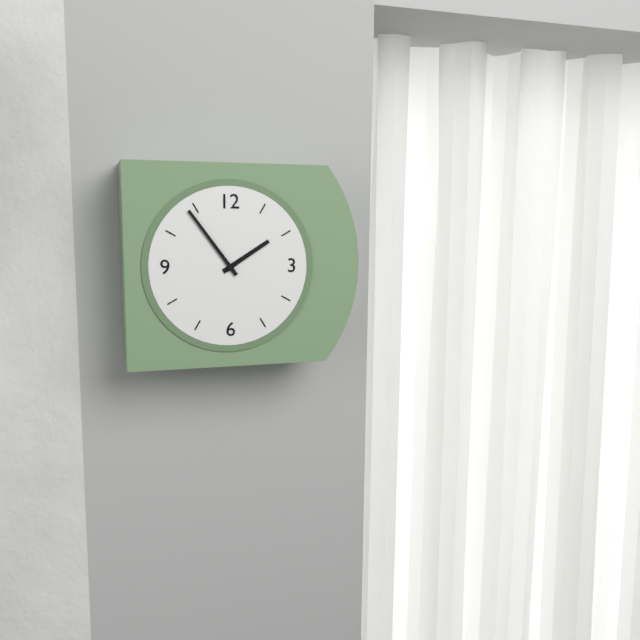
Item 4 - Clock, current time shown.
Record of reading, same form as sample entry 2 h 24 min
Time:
1 h 54 min
